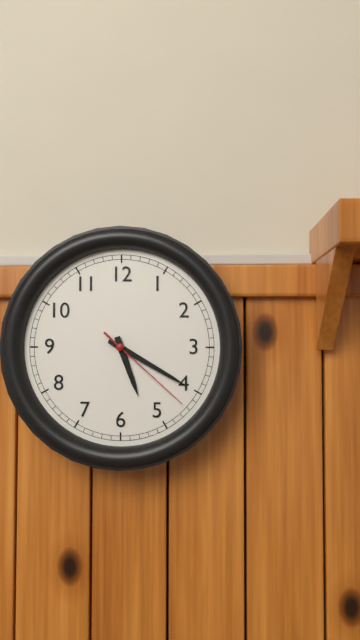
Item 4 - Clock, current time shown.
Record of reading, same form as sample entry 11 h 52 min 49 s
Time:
5 h 20 min 22 s
